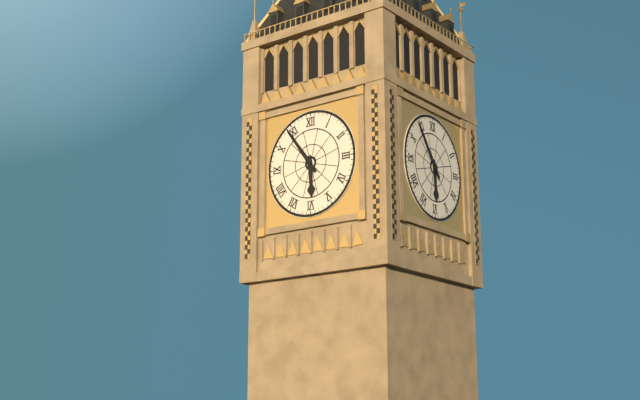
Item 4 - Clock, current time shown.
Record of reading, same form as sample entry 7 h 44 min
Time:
5 h 54 min
